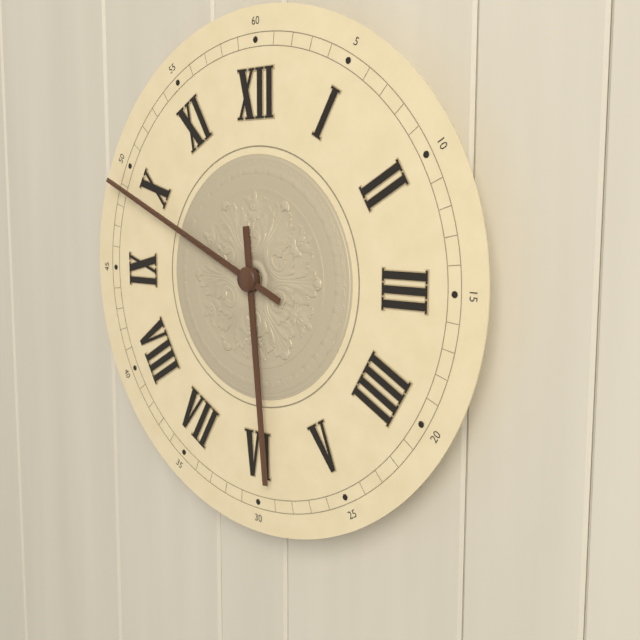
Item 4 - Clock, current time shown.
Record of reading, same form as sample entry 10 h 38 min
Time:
5 h 49 min
